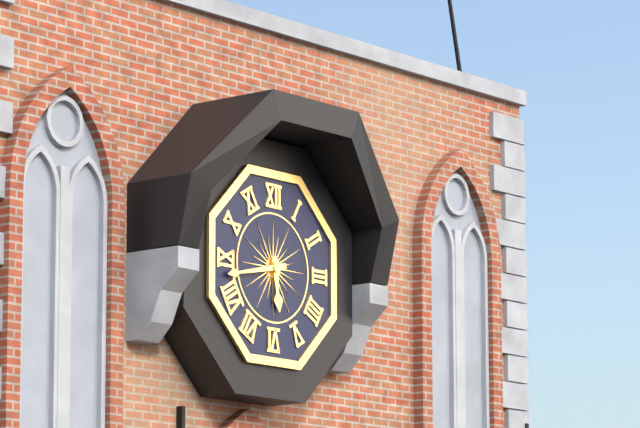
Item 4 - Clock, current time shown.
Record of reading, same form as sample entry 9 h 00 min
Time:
5 h 43 min
